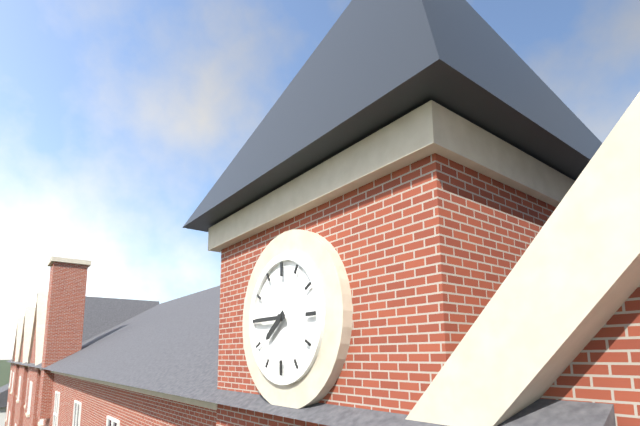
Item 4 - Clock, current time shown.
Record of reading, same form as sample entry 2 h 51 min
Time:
7 h 45 min
